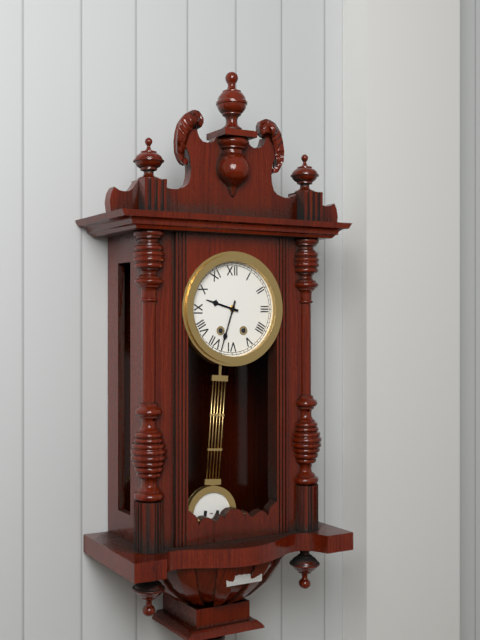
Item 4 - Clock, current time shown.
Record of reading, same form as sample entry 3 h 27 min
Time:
9 h 33 min
